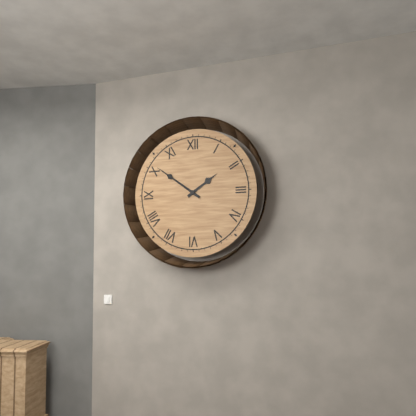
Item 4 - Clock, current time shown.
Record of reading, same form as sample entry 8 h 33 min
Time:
1 h 51 min
